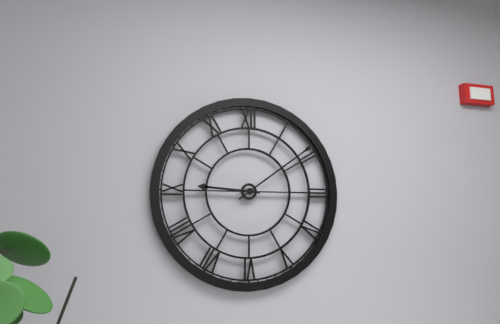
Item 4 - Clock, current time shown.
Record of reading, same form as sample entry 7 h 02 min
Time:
9 h 09 min
